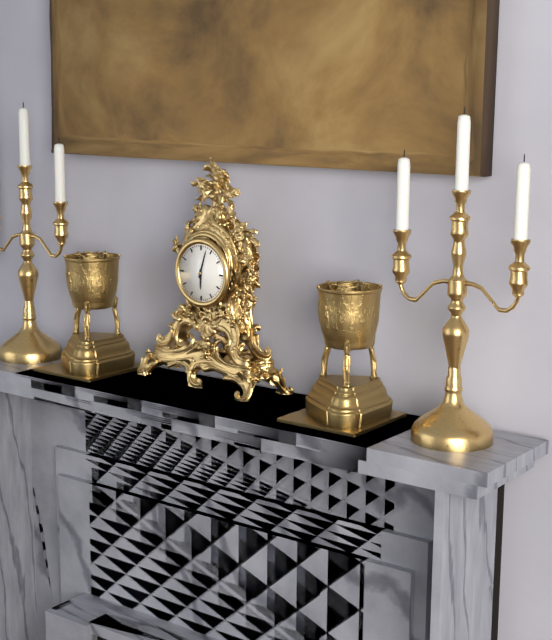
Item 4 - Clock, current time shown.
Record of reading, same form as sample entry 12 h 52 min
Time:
6 h 03 min
